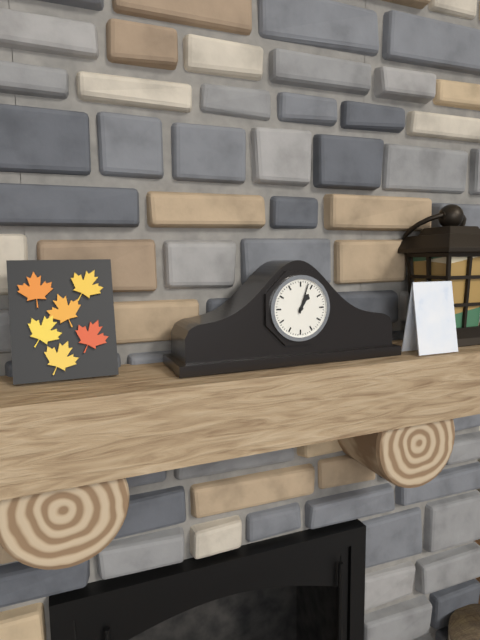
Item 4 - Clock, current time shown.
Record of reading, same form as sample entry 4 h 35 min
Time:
1 h 03 min
